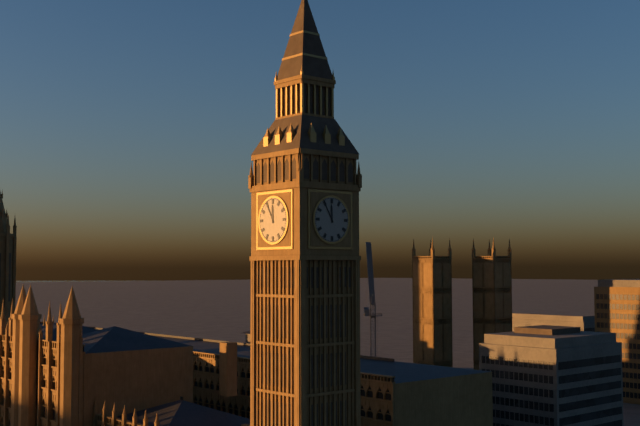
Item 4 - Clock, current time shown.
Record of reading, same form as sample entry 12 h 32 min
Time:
11 h 55 min
